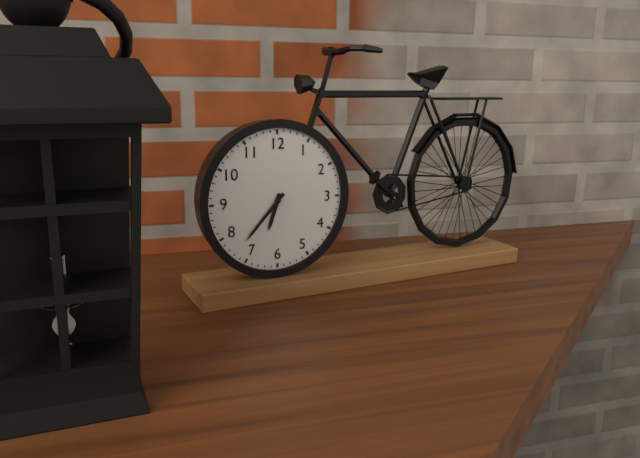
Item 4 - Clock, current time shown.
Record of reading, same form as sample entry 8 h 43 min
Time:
6 h 37 min
